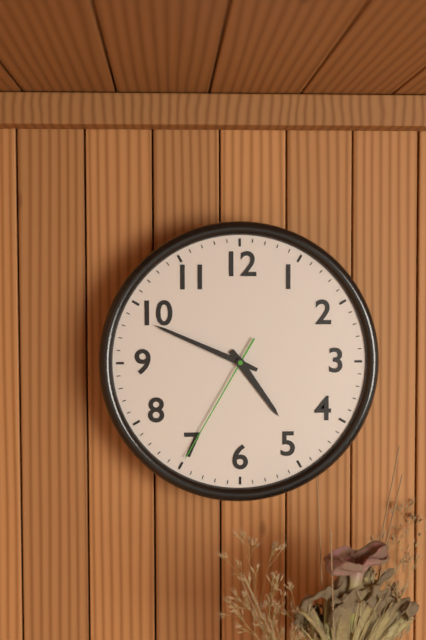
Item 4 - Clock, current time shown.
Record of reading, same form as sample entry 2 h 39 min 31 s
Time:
4 h 49 min 35 s
